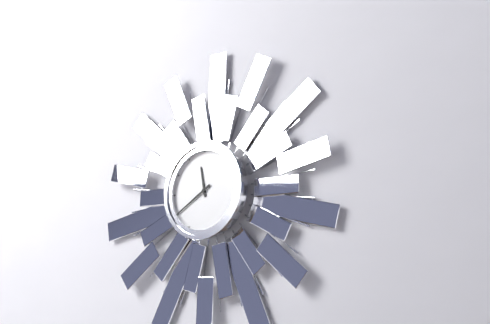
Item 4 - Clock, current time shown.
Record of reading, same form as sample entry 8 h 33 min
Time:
11 h 40 min
